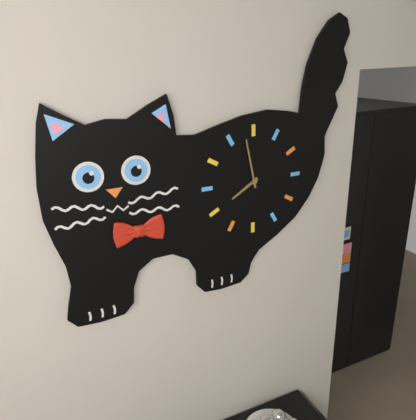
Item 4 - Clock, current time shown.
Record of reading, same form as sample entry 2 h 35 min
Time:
7 h 58 min
